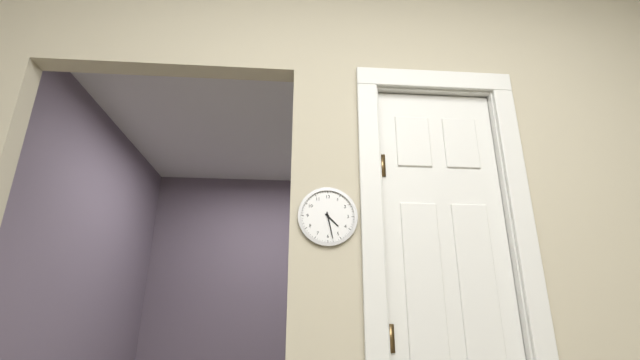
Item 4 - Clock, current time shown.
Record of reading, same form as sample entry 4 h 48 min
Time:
4 h 28 min
